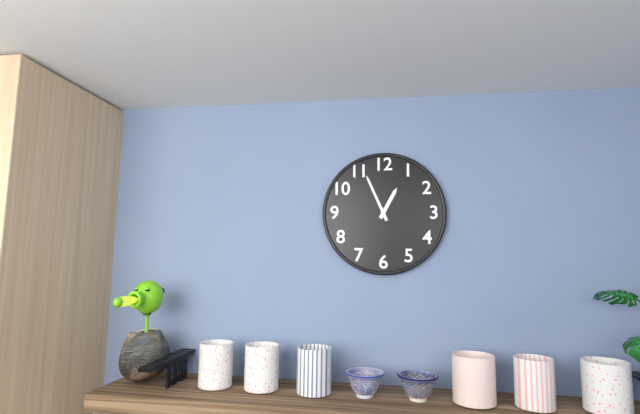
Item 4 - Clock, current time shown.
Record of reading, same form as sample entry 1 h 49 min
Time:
12 h 56 min
